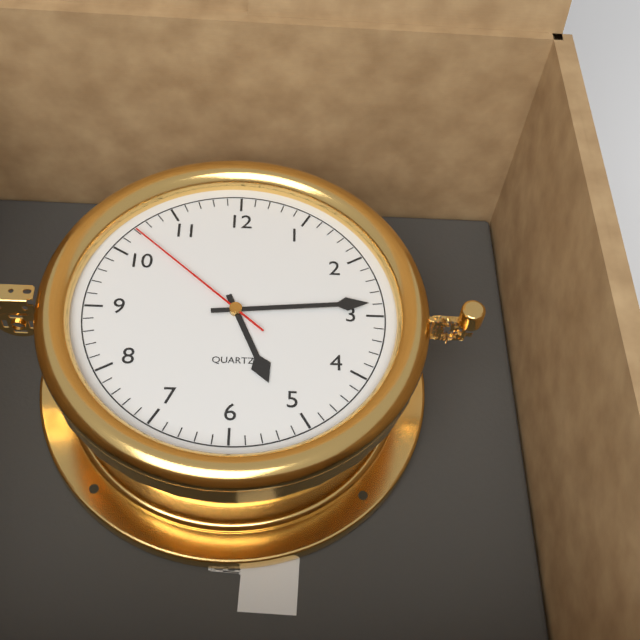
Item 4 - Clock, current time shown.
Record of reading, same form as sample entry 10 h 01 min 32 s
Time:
5 h 14 min 52 s
